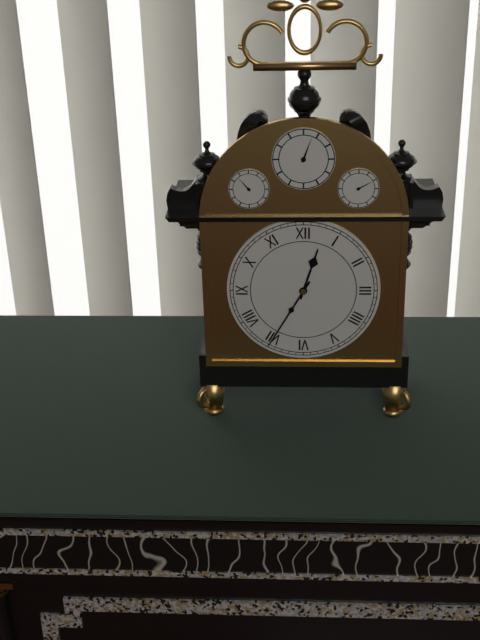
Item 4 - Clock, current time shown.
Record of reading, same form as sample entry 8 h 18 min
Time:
12 h 35 min
